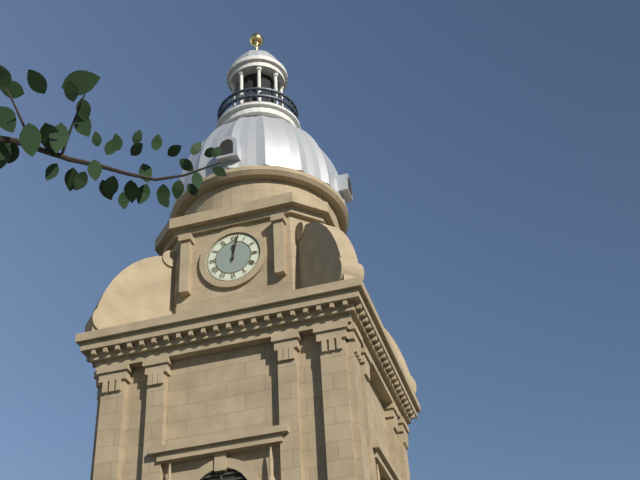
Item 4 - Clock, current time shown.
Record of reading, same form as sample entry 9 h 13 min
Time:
12 h 02 min
